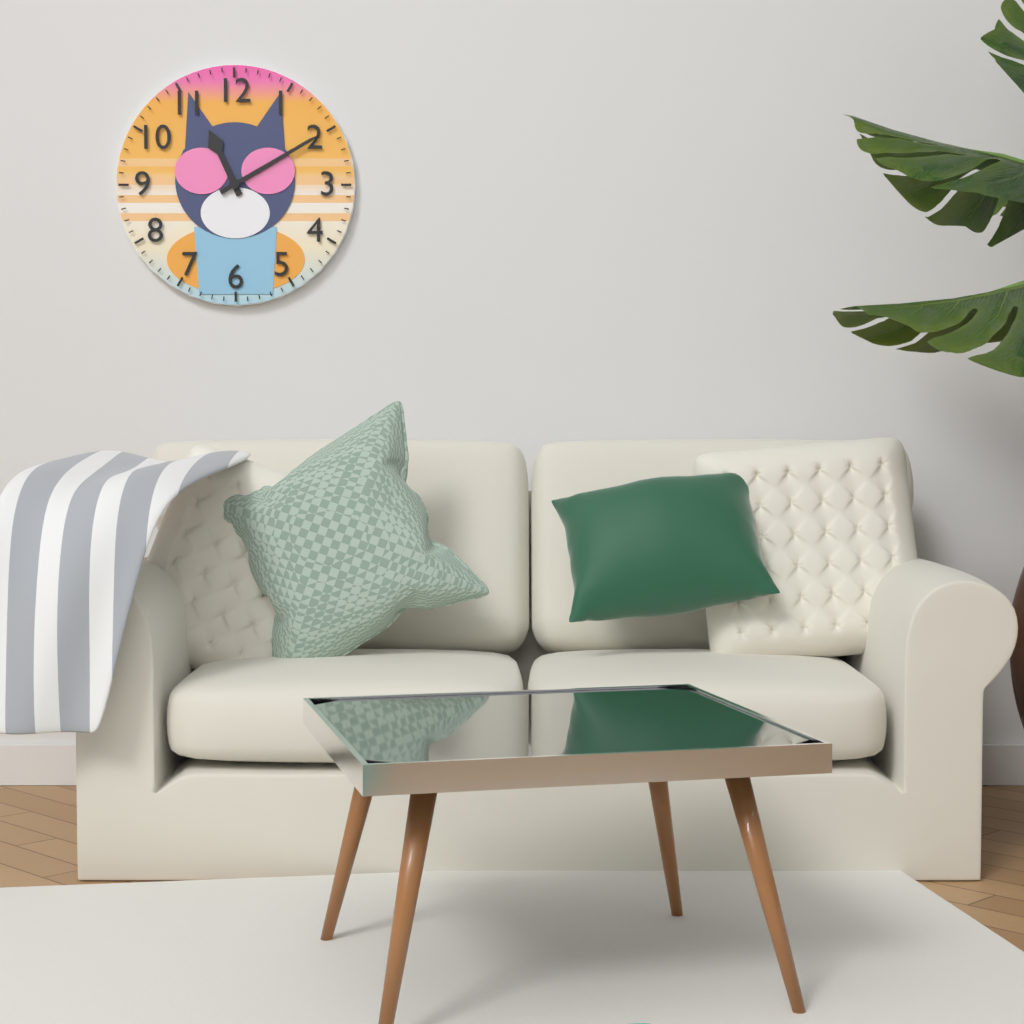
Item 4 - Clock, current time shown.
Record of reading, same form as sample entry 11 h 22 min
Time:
11 h 10 min
